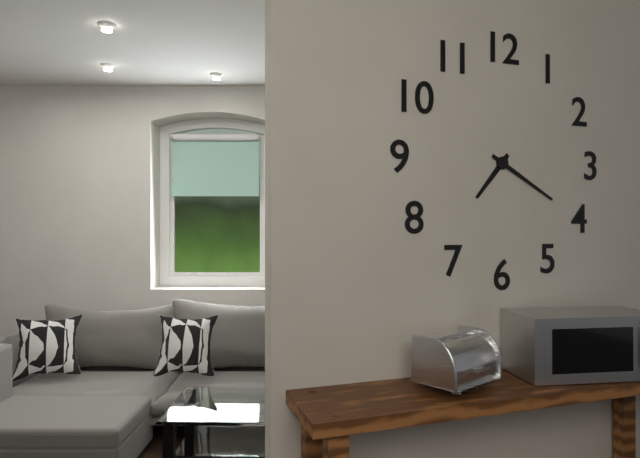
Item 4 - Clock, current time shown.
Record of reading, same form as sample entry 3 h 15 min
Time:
7 h 20 min
